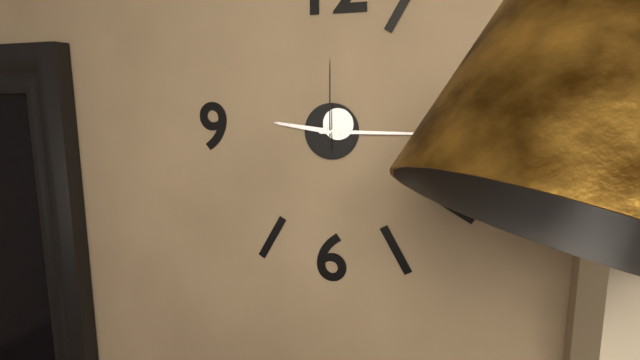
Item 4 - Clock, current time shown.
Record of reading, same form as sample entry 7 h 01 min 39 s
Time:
9 h 15 min 00 s
